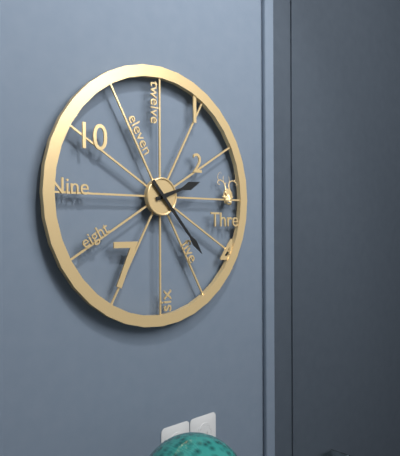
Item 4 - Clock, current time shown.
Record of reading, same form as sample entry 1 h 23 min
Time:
2 h 23 min
